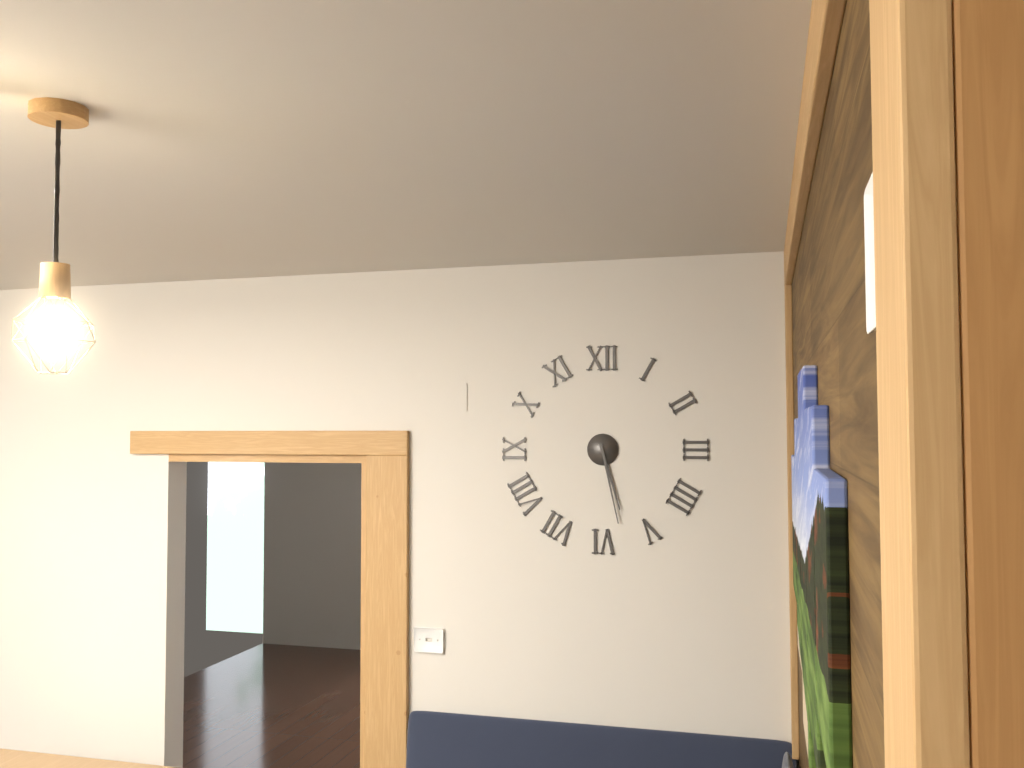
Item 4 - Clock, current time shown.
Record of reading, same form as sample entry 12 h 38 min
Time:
5 h 28 min
